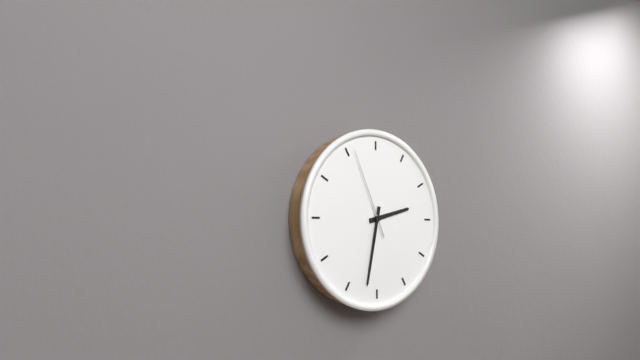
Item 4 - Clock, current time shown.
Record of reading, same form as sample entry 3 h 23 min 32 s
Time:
2 h 32 min 56 s
